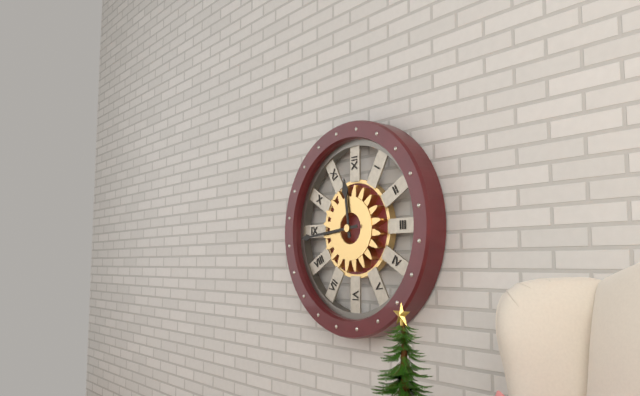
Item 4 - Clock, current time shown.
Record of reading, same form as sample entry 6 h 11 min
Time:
11 h 44 min
